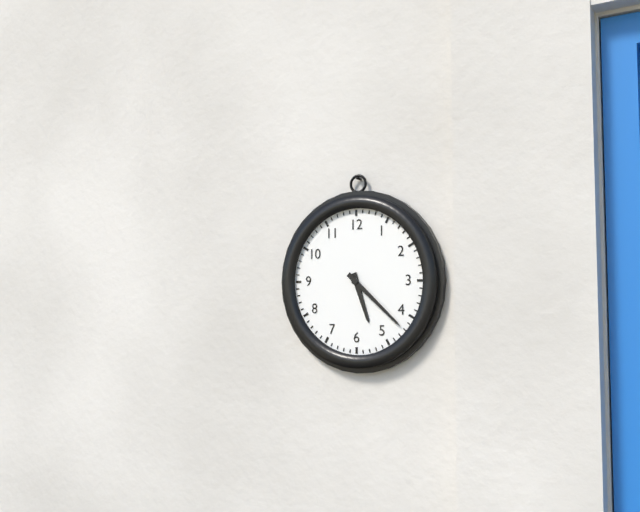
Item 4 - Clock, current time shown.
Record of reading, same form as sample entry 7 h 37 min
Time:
5 h 22 min
